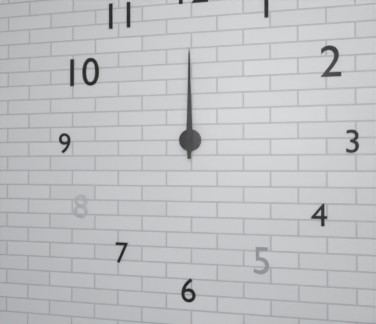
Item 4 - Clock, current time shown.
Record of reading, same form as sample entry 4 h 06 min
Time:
12 h 00 min
